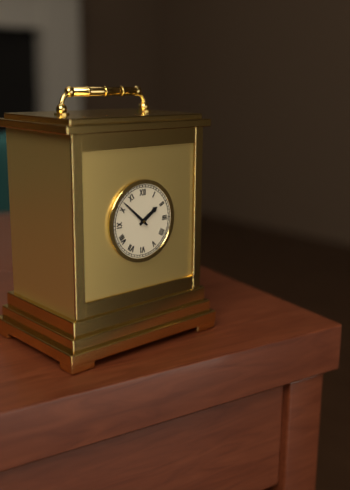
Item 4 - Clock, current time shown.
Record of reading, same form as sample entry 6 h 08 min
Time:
1 h 52 min
